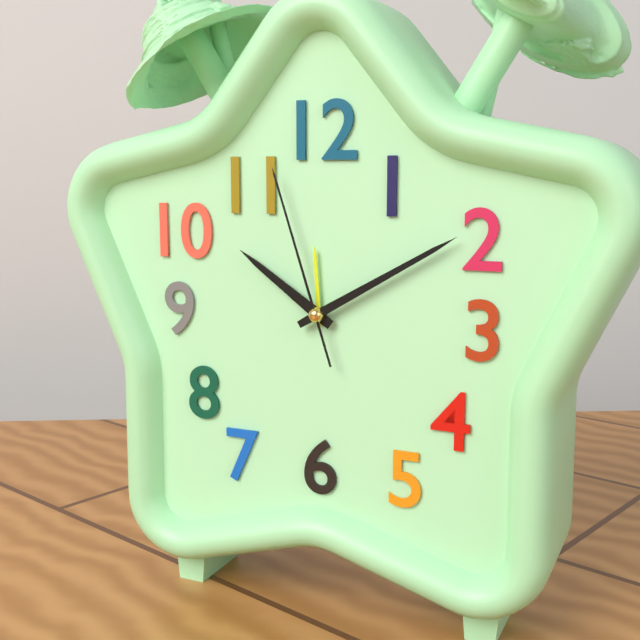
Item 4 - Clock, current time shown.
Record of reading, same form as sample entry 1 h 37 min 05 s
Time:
10 h 10 min 57 s
